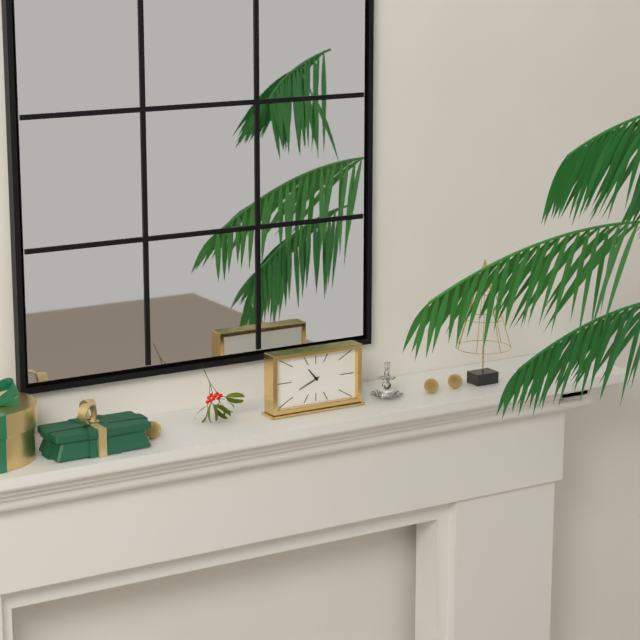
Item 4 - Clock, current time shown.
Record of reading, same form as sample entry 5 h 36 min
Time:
10 h 41 min
